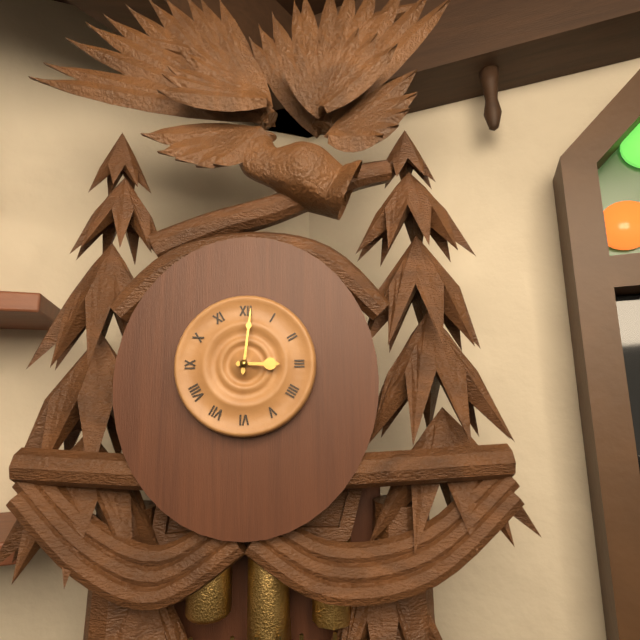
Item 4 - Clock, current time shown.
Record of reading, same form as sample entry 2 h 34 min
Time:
3 h 01 min
